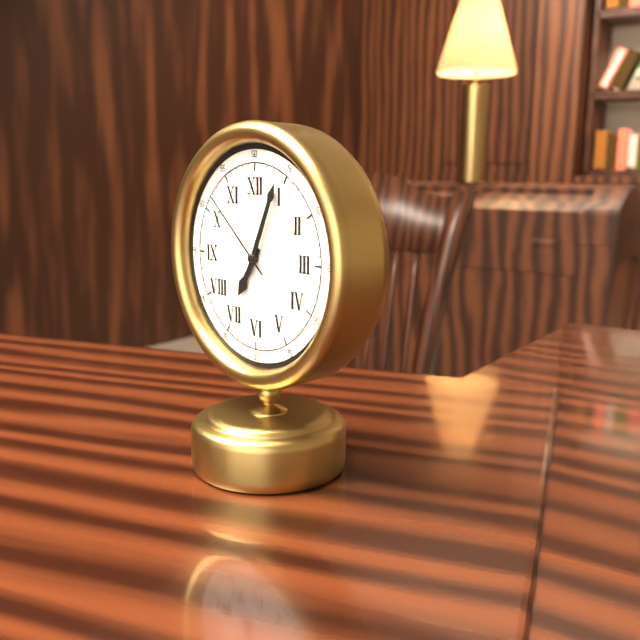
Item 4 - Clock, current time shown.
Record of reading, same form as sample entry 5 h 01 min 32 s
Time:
7 h 04 min 52 s
